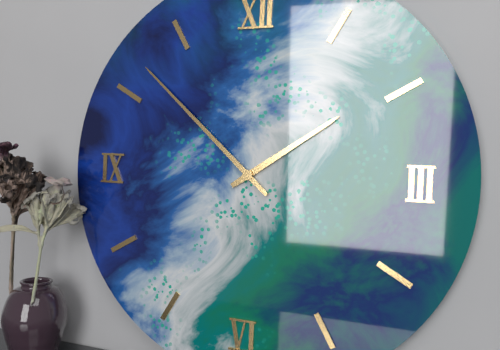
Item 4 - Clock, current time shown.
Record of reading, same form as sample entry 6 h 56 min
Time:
1 h 52 min
